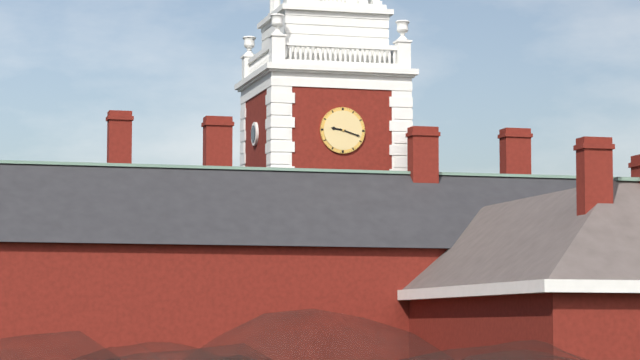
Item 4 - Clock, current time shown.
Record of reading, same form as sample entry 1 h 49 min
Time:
9 h 18 min
